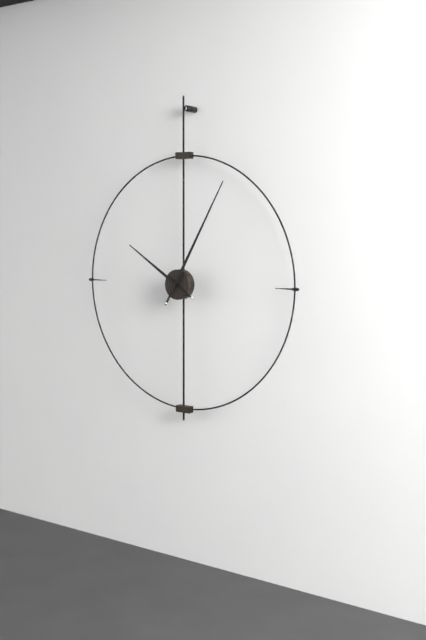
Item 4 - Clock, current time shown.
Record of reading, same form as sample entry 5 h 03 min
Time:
10 h 05 min
